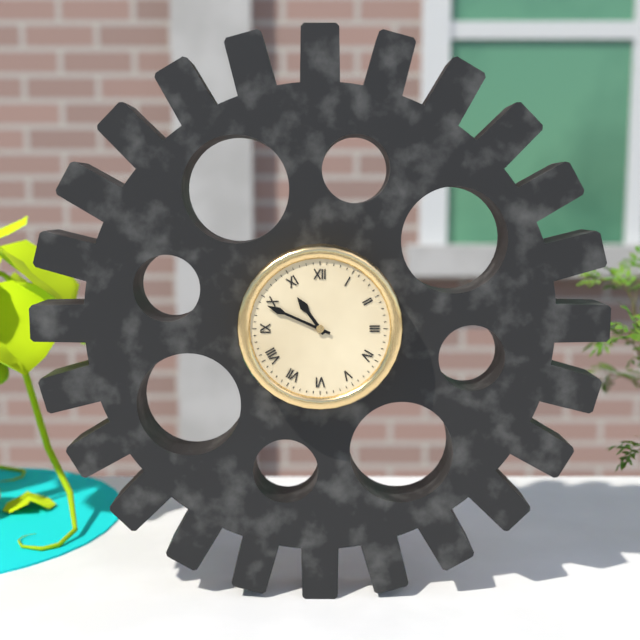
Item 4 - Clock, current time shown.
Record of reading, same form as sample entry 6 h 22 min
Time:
10 h 49 min
